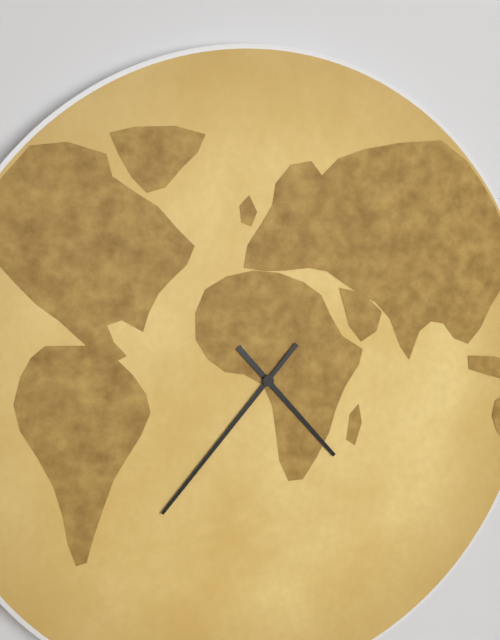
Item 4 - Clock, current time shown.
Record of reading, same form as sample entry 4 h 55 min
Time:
4 h 37 min
